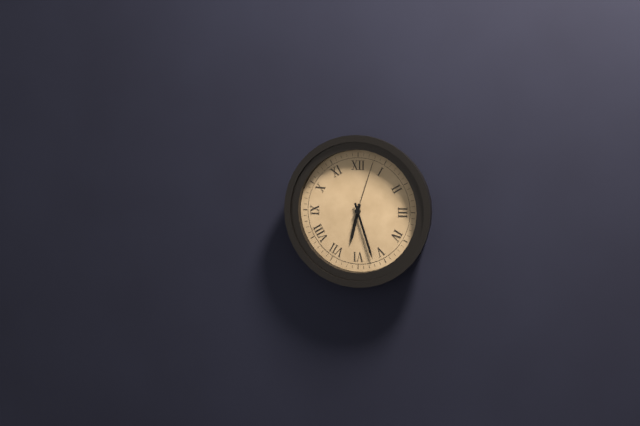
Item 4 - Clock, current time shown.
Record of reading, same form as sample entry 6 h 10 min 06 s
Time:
6 h 27 min 03 s
